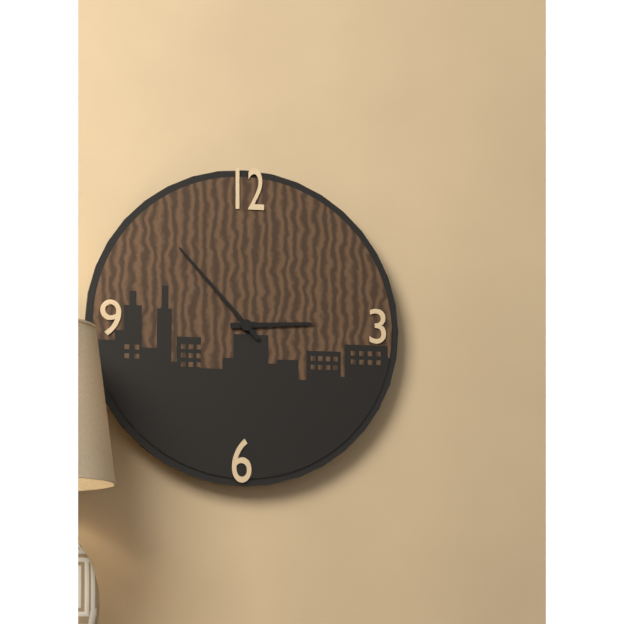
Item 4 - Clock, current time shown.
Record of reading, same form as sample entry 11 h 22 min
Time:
2 h 53 min
